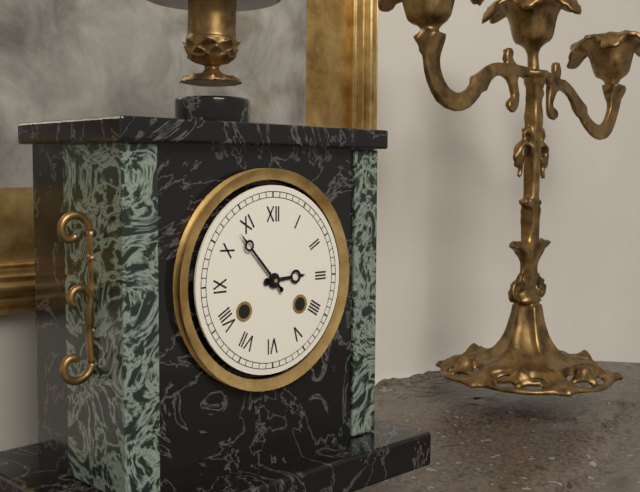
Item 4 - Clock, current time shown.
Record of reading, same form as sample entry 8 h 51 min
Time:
2 h 53 min
